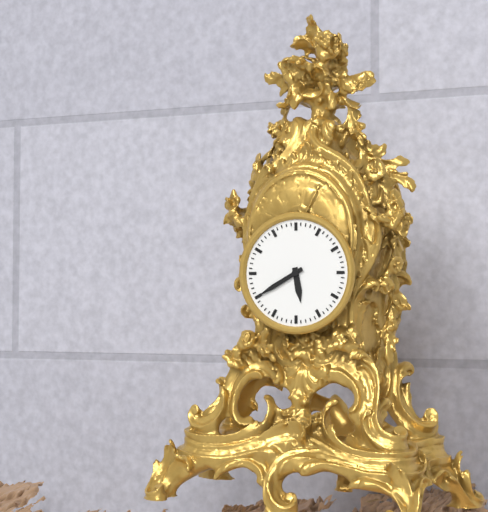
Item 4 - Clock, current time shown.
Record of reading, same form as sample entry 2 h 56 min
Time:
5 h 40 min
